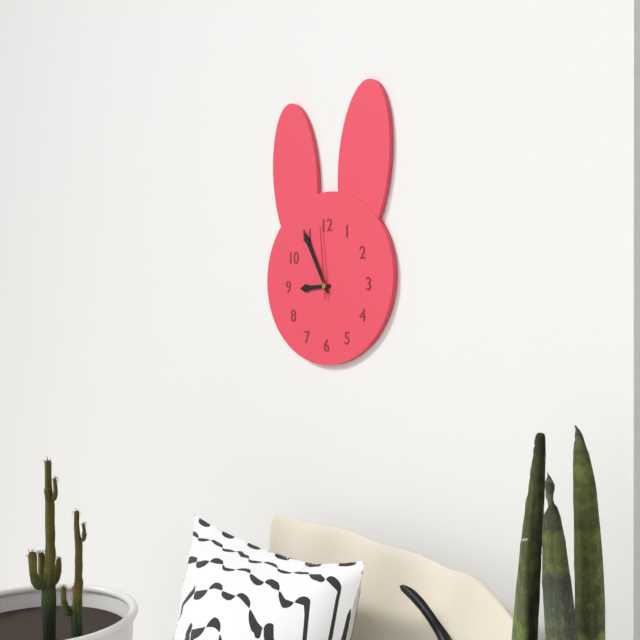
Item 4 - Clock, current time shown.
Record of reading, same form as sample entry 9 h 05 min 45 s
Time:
8 h 55 min 59 s
